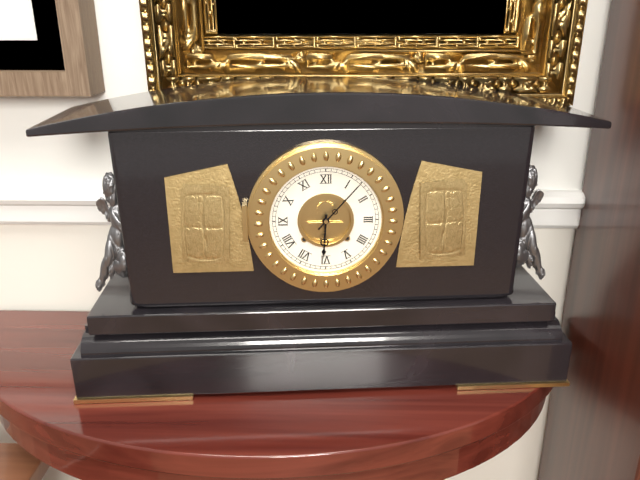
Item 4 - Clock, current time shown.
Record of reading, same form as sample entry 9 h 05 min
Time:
6 h 07 min
